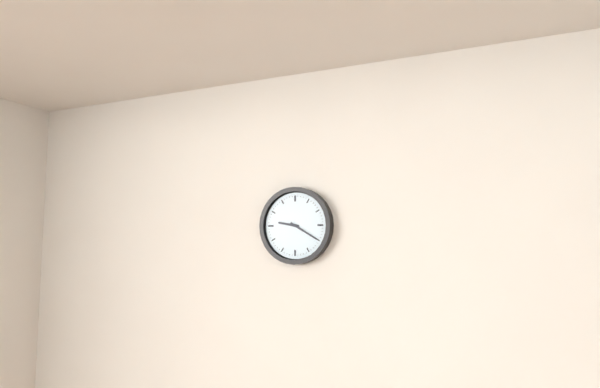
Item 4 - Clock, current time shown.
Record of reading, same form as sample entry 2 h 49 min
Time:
9 h 20 min
